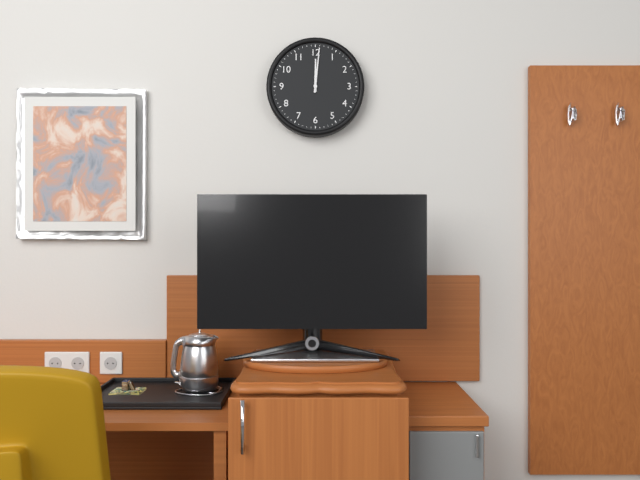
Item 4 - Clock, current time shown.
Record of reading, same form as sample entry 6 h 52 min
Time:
12 h 01 min
